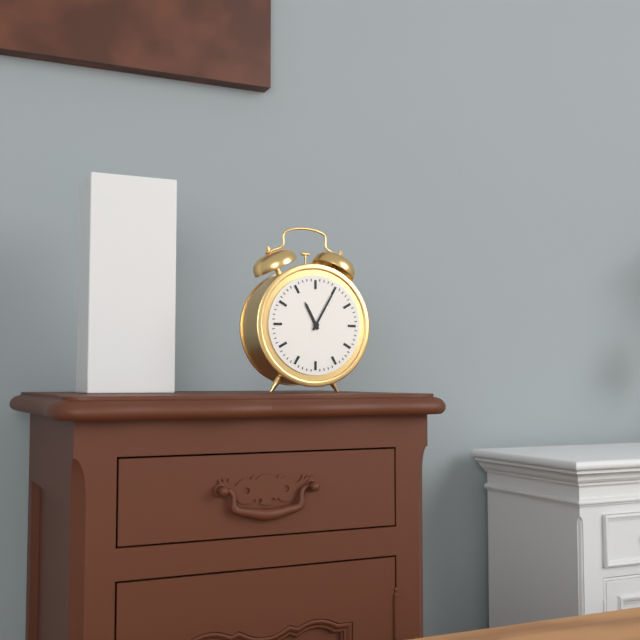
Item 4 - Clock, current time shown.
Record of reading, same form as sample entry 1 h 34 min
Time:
11 h 05 min
